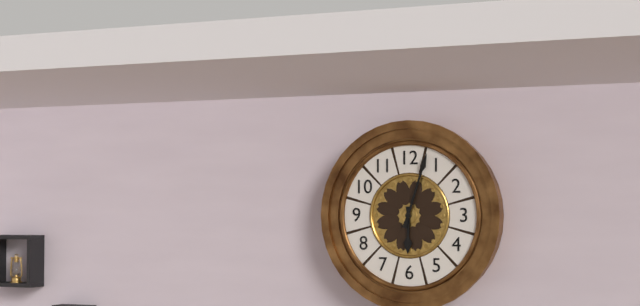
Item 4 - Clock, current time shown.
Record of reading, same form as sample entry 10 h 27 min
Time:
6 h 03 min
